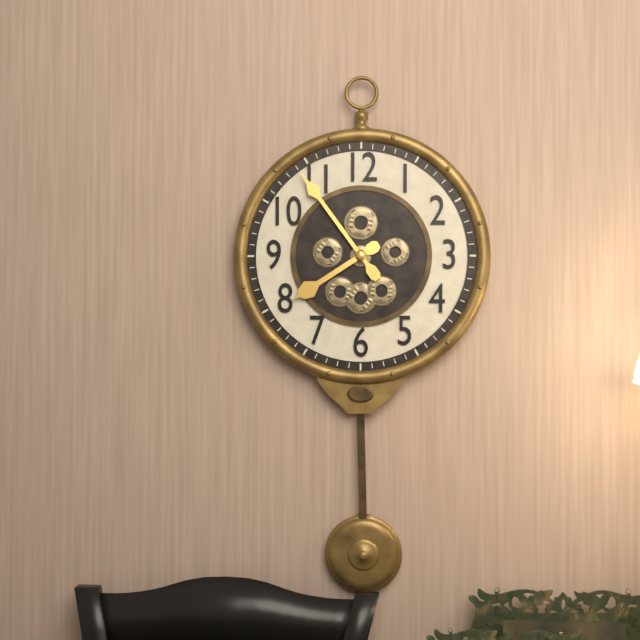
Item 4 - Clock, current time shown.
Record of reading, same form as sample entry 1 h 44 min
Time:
7 h 54 min
